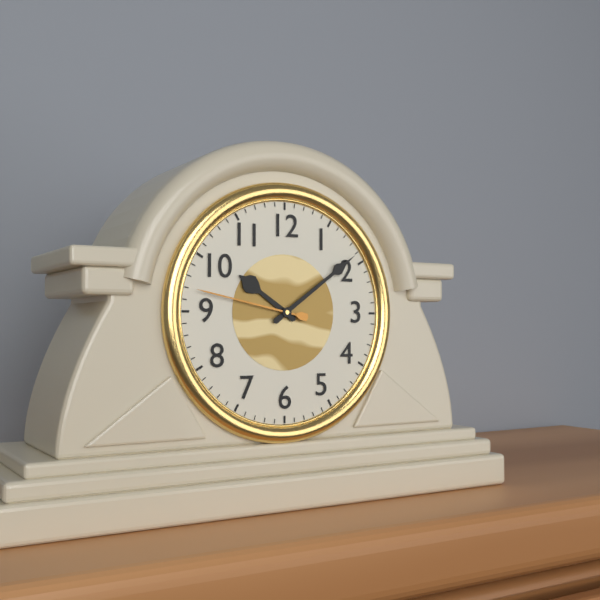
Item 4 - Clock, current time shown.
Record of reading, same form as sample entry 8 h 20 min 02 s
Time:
10 h 09 min 47 s
